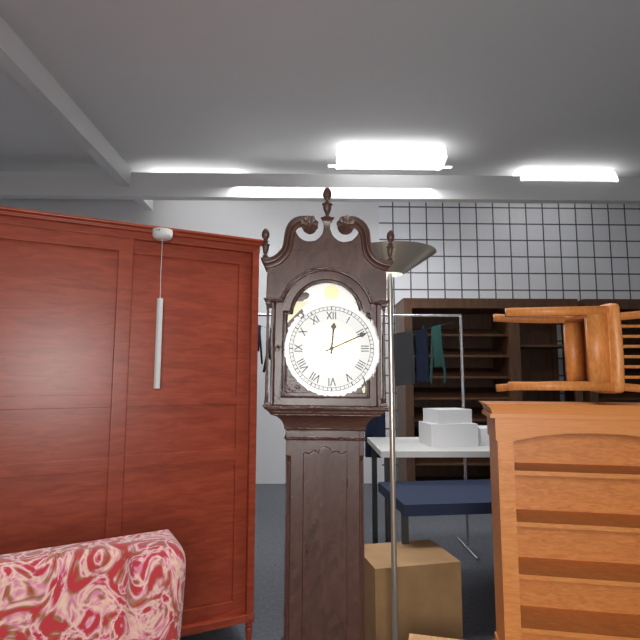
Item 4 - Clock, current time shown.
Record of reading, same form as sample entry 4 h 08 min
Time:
12 h 11 min
